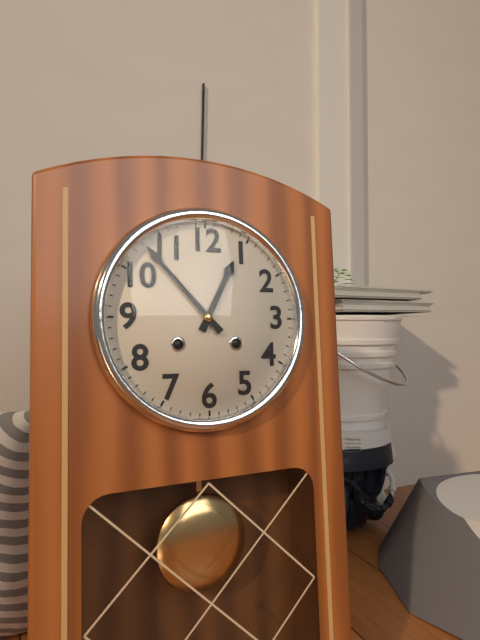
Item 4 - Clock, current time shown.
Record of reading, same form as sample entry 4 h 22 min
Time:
12 h 53 min
